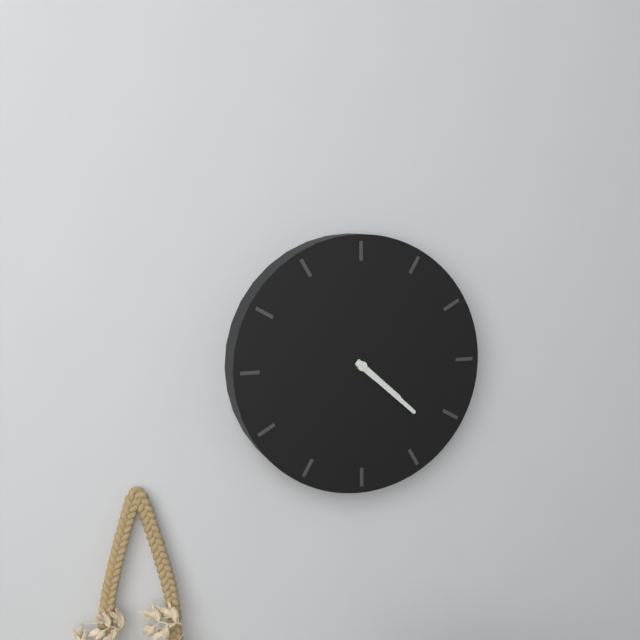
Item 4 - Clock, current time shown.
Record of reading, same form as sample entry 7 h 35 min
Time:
4 h 22 min
